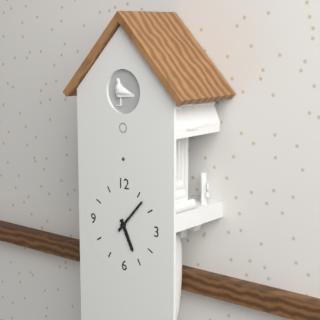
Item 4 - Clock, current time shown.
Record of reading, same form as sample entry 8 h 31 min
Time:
5 h 07 min
